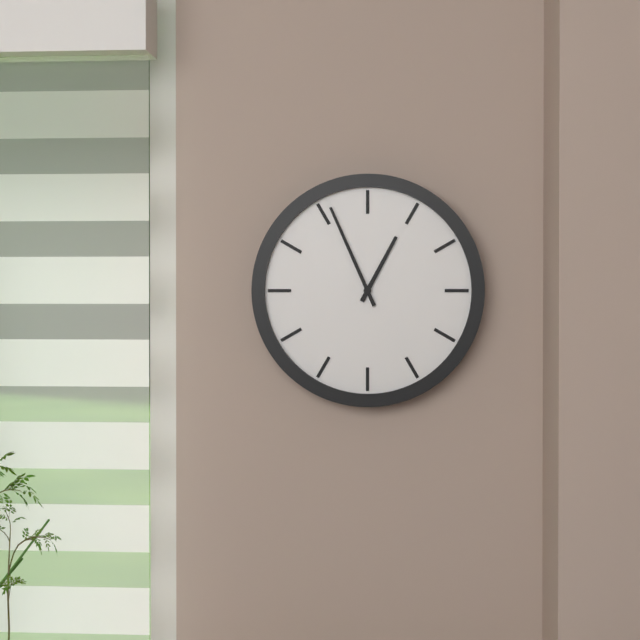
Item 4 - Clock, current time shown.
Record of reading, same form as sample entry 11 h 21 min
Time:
12 h 56 min
